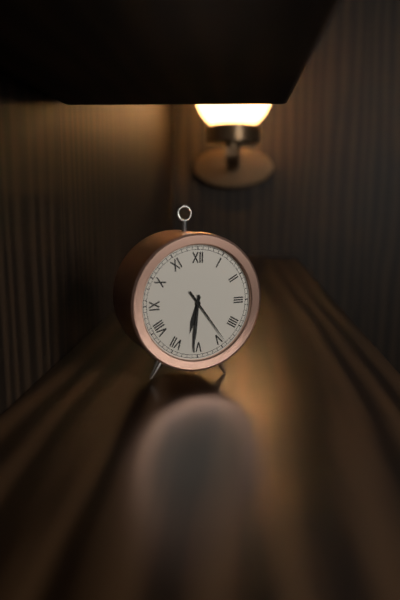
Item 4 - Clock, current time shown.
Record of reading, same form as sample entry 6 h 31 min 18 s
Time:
6 h 31 min 24 s
